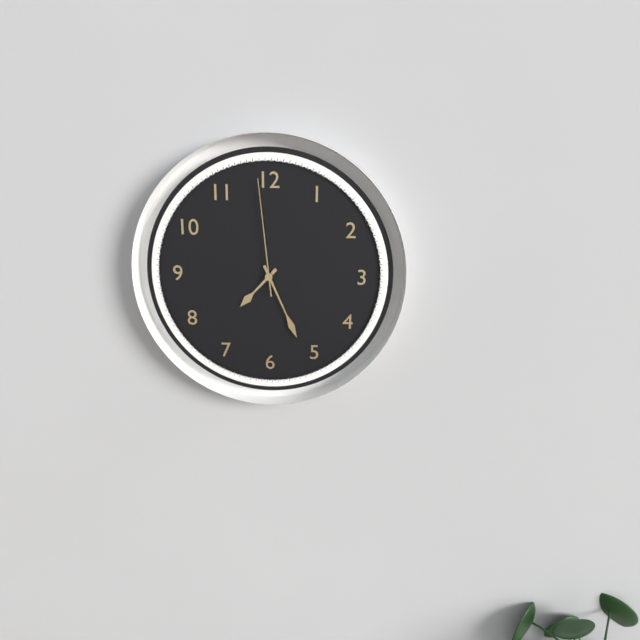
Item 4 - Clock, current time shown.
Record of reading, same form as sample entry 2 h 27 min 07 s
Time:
7 h 26 min 59 s
